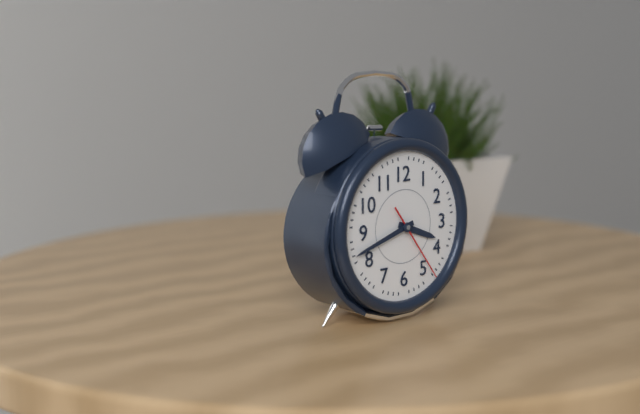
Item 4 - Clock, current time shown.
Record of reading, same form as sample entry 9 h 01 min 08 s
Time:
3 h 42 min 24 s
